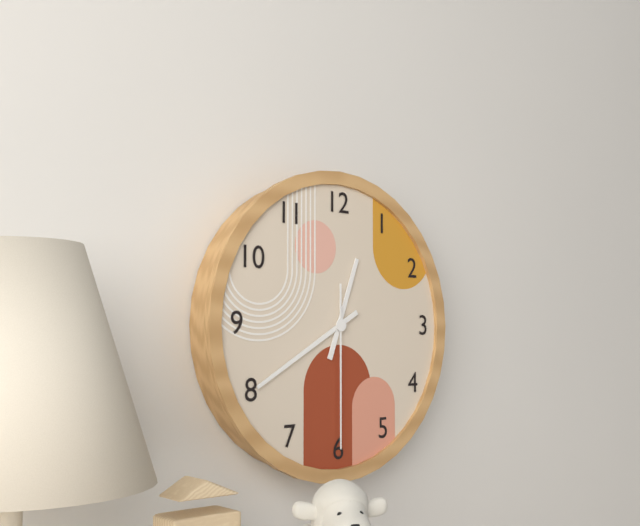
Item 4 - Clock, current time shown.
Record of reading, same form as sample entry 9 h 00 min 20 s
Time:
12 h 40 min 30 s
